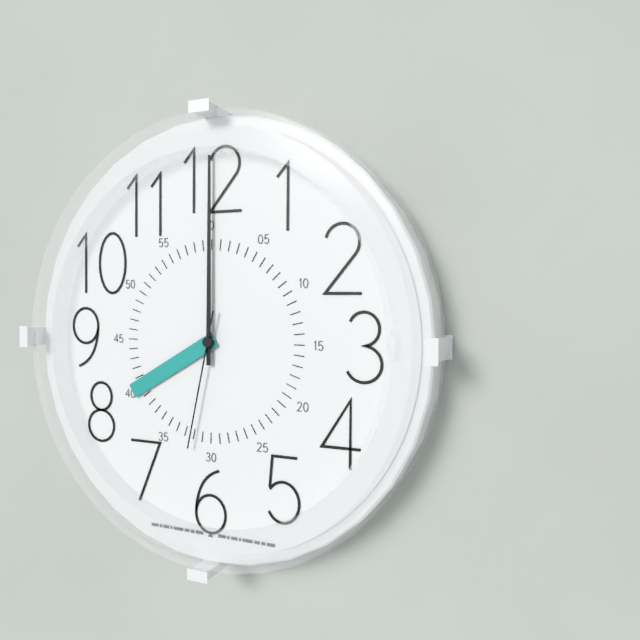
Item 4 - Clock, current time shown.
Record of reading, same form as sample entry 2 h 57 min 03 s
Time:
8 h 00 min 32 s
